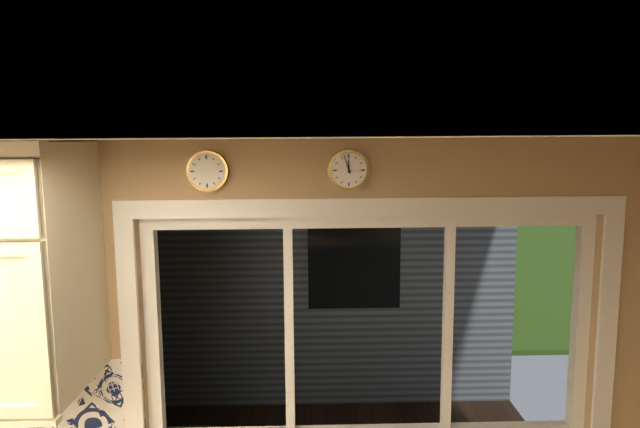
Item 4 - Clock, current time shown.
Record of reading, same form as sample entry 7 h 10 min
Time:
11 h 57 min
